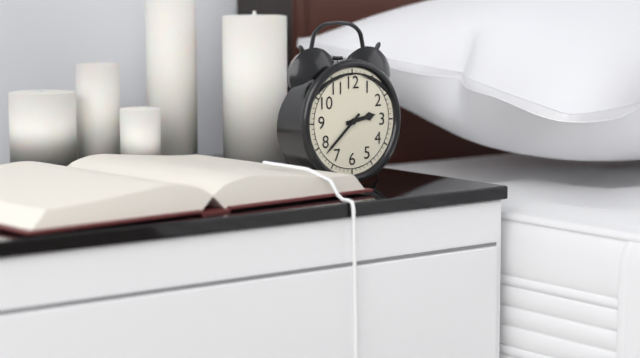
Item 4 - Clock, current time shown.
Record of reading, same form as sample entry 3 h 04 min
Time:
2 h 38 min
